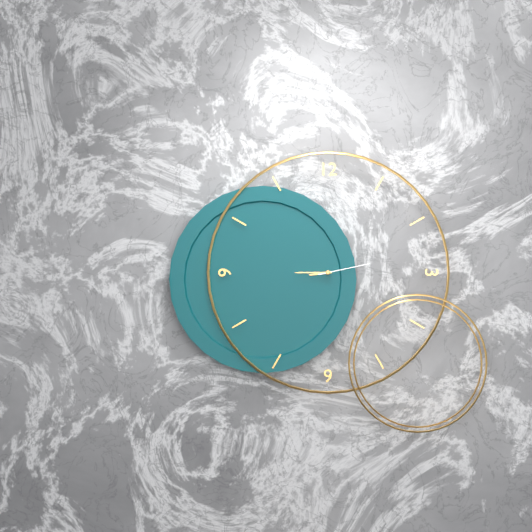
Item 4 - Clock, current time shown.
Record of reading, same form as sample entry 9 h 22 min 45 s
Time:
8 h 45 min 13 s
